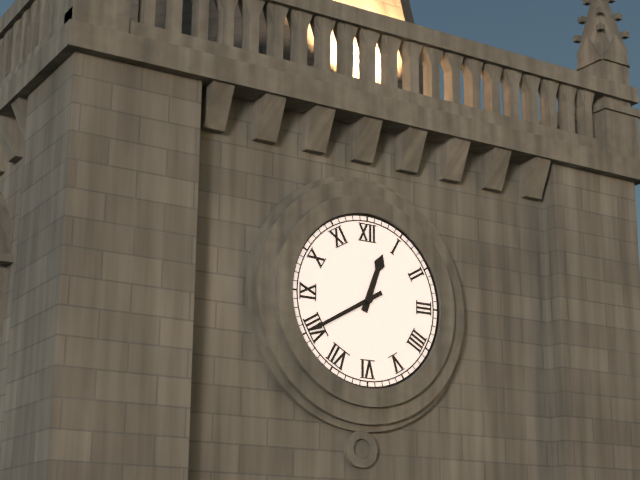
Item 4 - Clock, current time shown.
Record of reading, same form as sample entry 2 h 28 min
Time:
12 h 40 min
